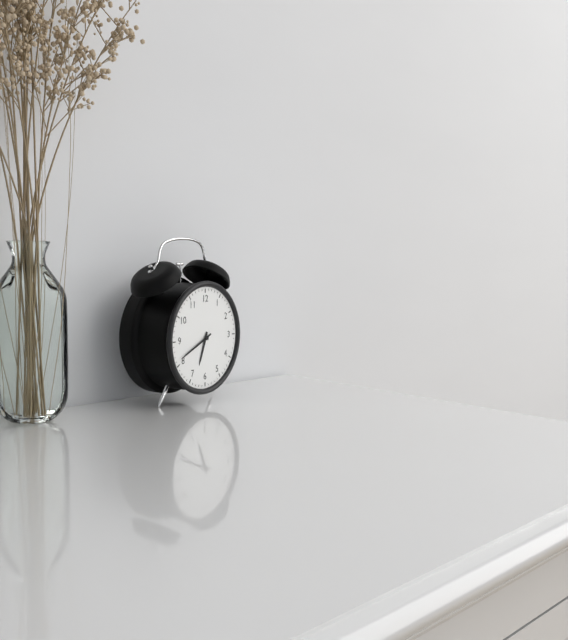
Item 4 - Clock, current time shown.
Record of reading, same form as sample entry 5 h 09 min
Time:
6 h 41 min
